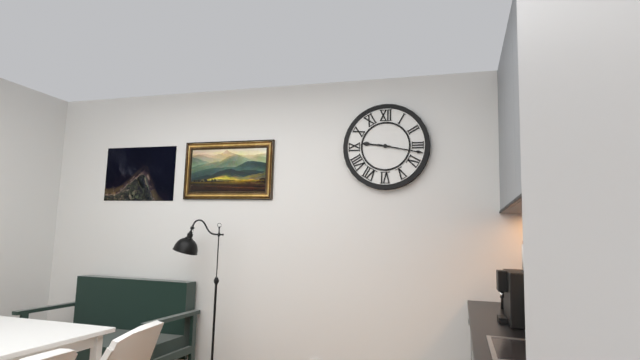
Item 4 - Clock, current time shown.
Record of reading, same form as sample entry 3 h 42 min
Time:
9 h 17 min
